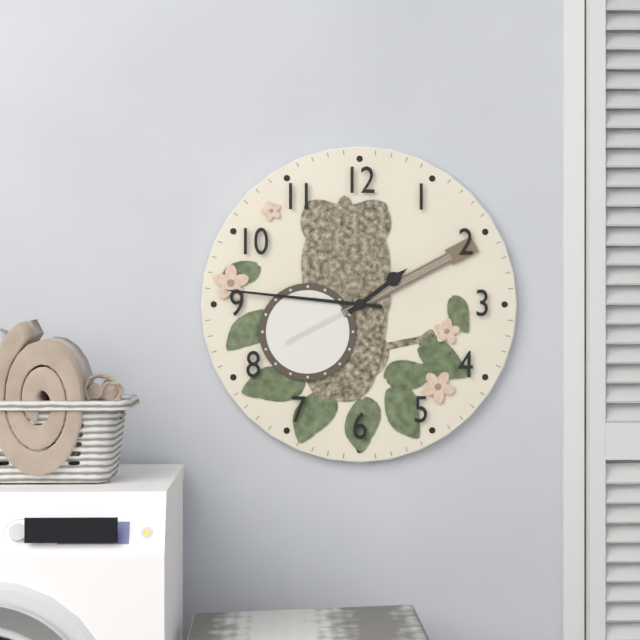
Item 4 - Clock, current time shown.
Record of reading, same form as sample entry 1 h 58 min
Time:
1 h 46 min
